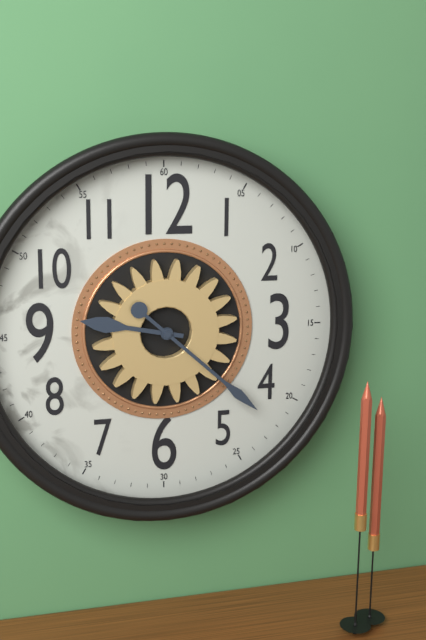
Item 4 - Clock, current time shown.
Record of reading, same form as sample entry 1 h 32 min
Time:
9 h 22 min
